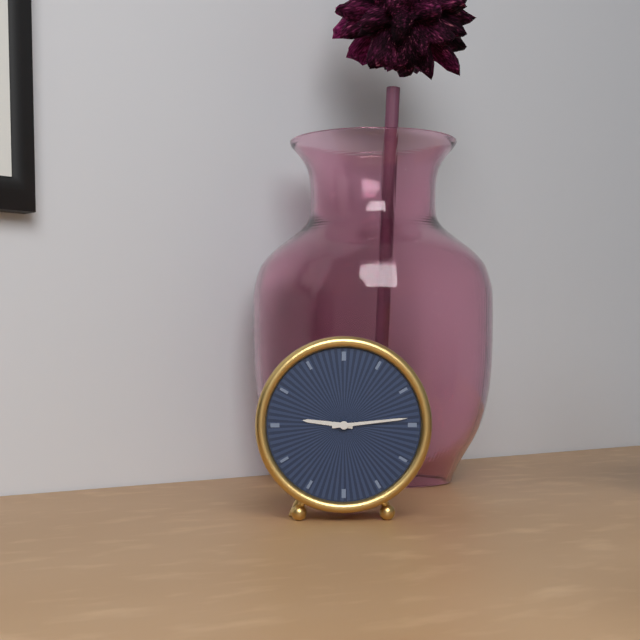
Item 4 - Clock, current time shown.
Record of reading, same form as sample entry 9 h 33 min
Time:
9 h 14 min
